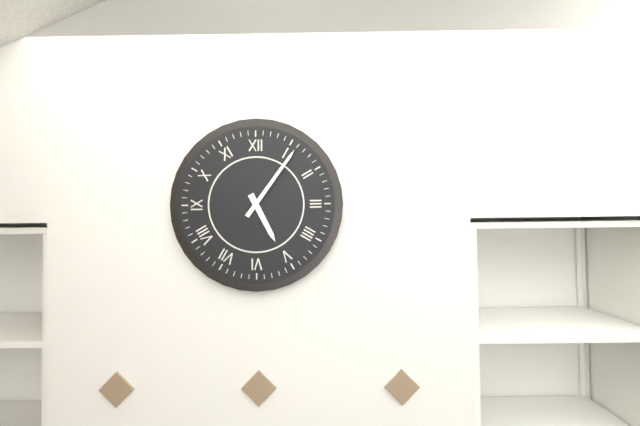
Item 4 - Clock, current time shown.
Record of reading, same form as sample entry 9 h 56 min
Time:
5 h 06 min
